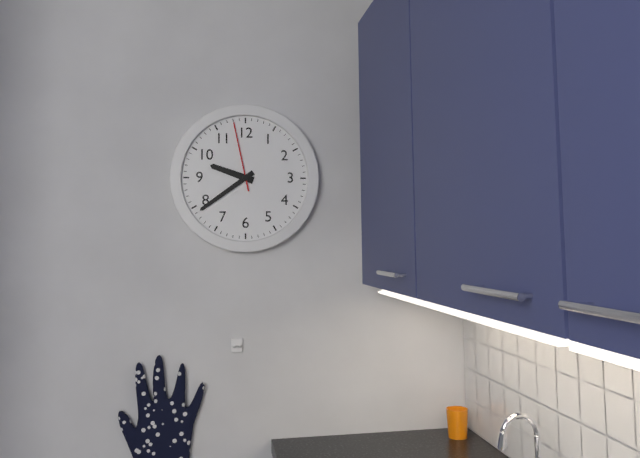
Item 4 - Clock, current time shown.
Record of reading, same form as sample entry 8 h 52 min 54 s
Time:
9 h 39 min 58 s
